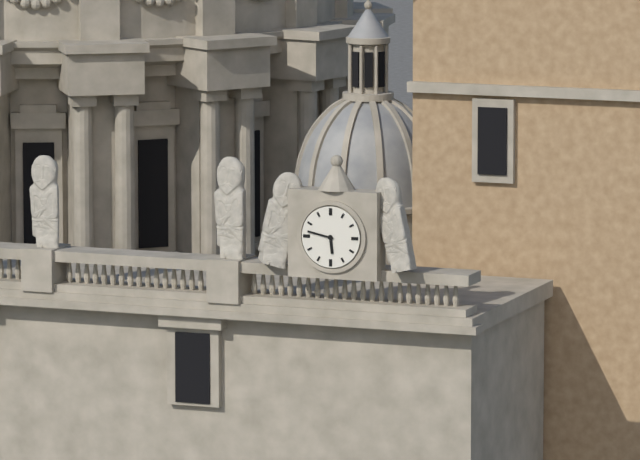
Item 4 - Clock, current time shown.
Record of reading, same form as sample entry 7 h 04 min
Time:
5 h 47 min
